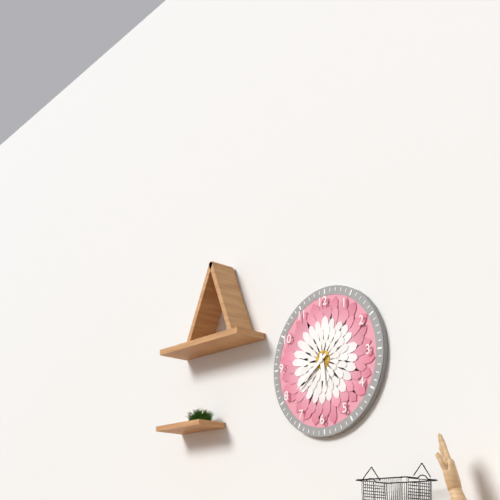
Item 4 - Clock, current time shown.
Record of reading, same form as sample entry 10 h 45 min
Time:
5 h 39 min
